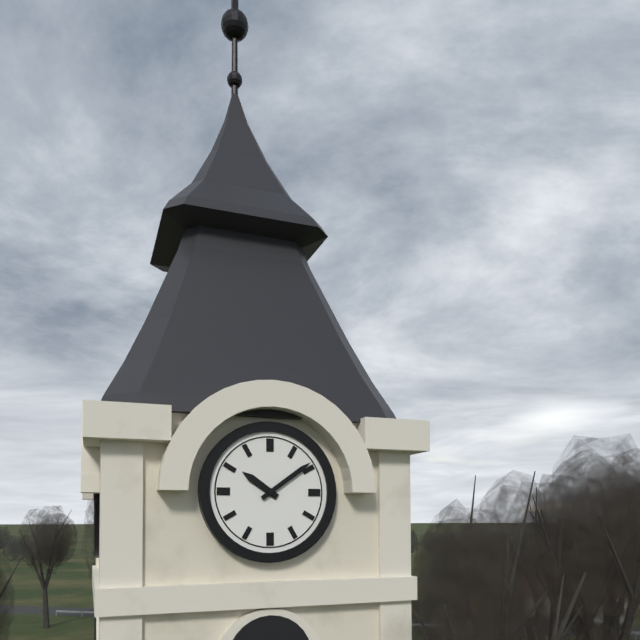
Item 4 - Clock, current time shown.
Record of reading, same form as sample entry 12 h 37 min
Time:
10 h 09 min
